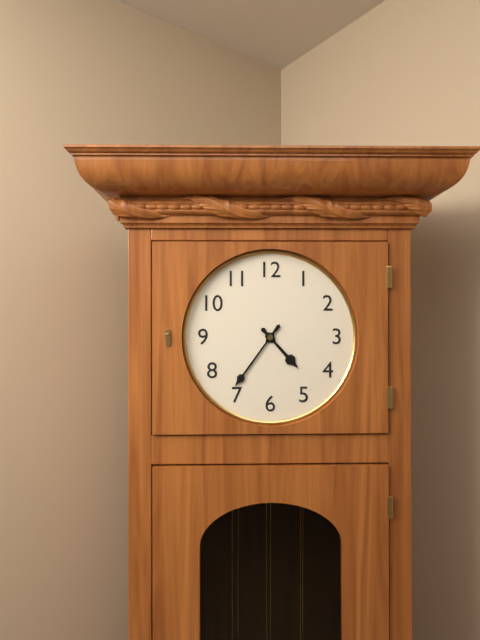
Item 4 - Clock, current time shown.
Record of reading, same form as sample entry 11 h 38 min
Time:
4 h 36 min
